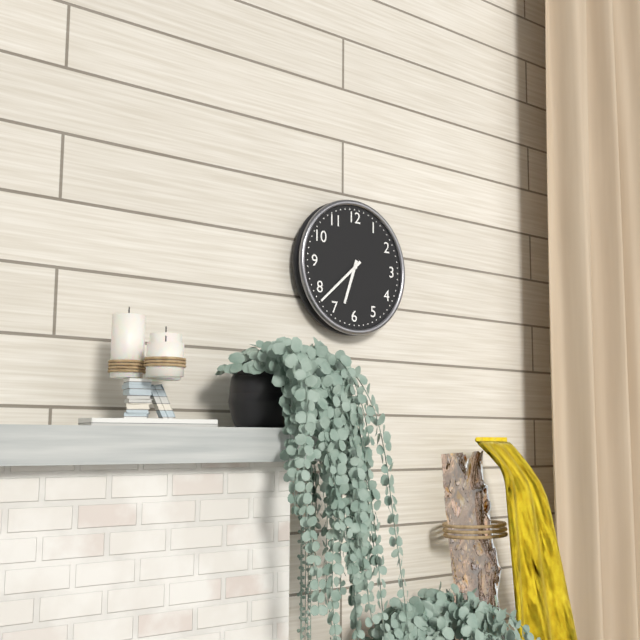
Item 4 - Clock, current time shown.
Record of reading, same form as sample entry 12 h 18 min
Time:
6 h 38 min
